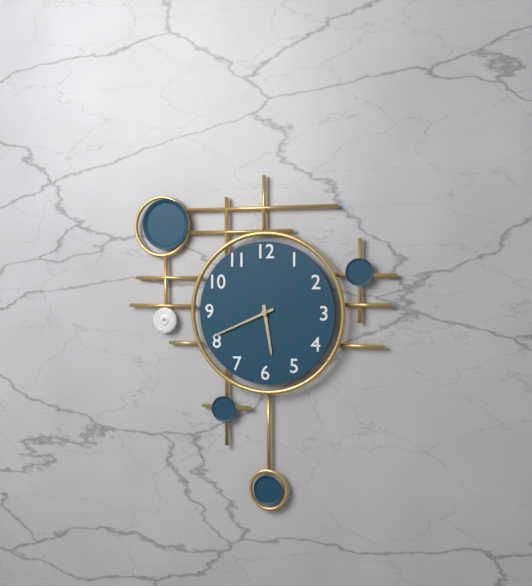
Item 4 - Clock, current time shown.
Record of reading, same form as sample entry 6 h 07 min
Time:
5 h 41 min
